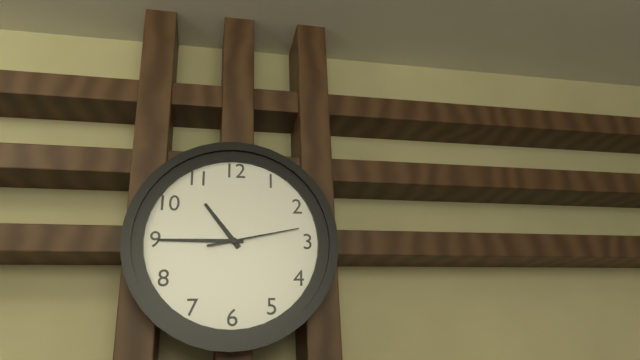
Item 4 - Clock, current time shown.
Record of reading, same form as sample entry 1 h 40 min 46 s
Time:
10 h 45 min 13 s
